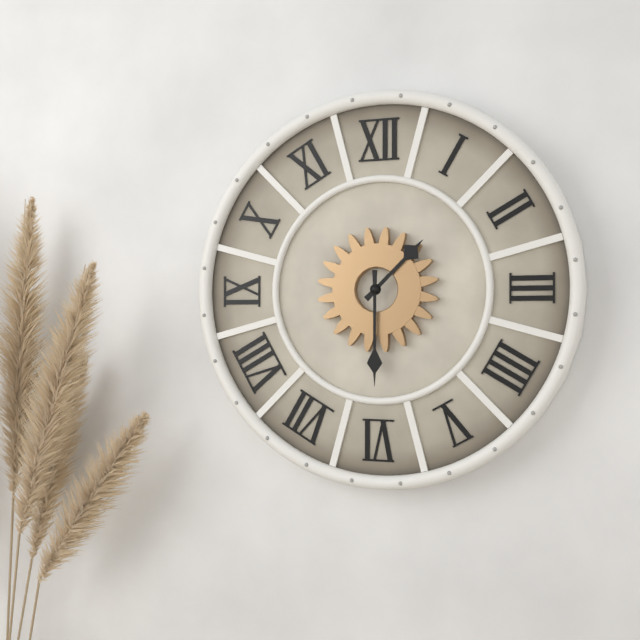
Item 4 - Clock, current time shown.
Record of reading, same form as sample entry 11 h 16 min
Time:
1 h 30 min
